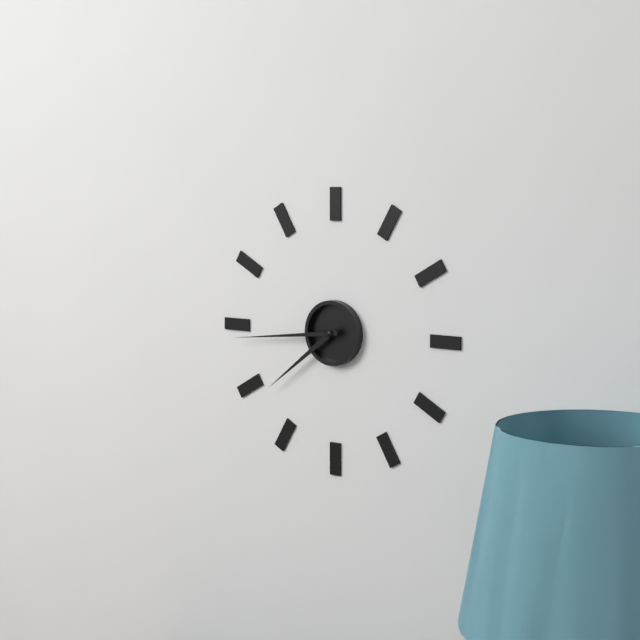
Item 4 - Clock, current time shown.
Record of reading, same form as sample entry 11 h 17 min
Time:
7 h 44 min
